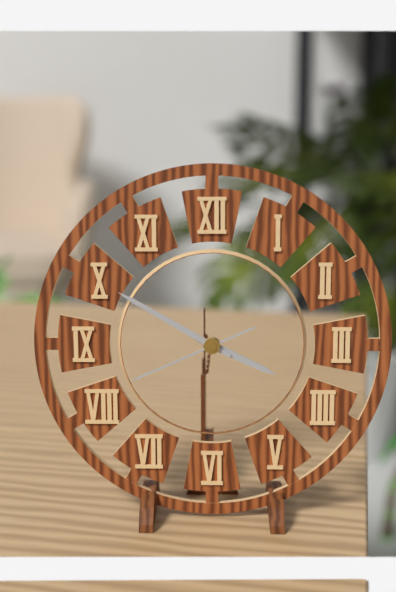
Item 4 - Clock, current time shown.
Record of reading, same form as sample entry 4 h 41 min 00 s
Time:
3 h 50 min 41 s
